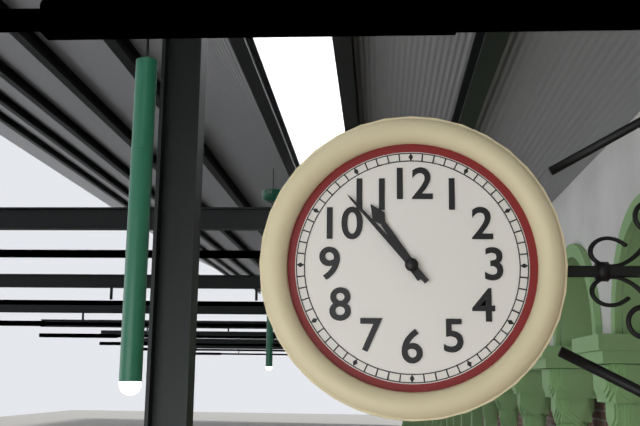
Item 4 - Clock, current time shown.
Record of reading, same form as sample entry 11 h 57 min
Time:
10 h 53 min
